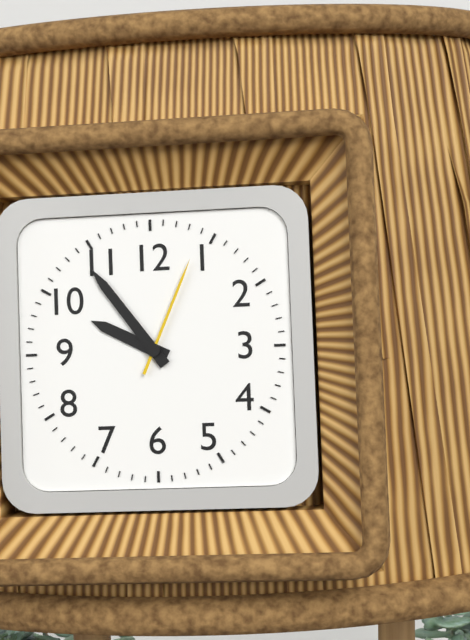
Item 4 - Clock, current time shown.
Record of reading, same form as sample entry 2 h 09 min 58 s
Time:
9 h 54 min 04 s
